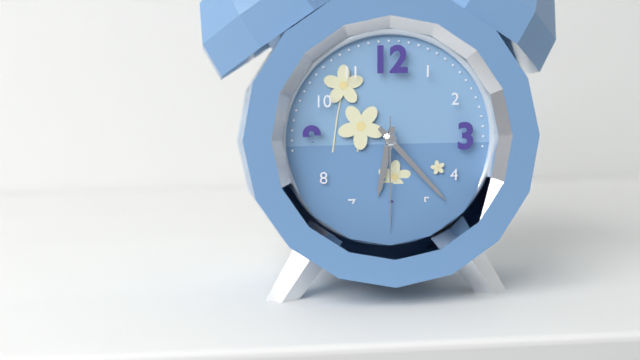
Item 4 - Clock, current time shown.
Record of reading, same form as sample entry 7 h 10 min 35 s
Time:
6 h 23 min 30 s
